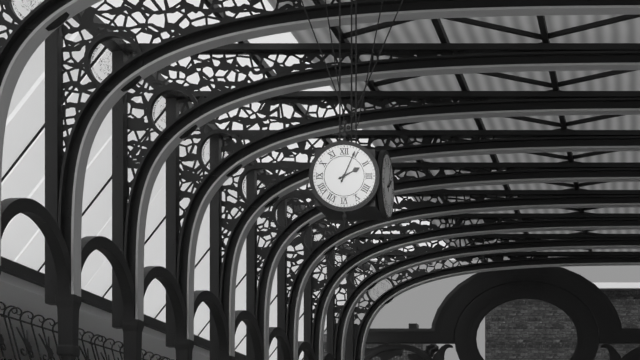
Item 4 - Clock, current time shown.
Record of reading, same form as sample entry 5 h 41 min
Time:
2 h 04 min
